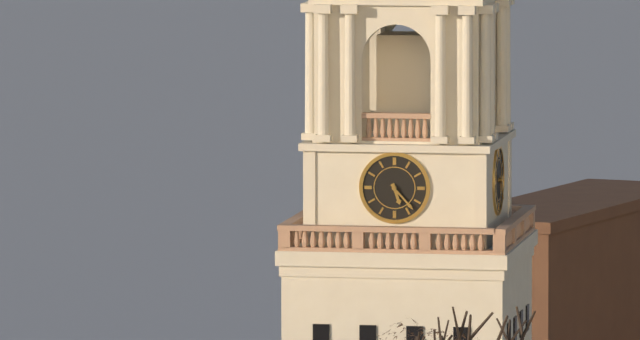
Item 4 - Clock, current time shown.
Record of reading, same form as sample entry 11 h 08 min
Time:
5 h 23 min
